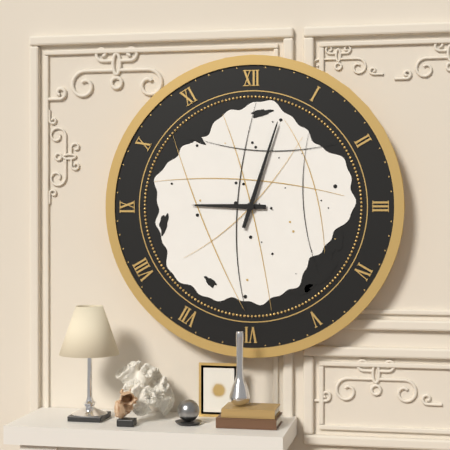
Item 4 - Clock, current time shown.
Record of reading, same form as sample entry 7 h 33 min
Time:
9 h 03 min
